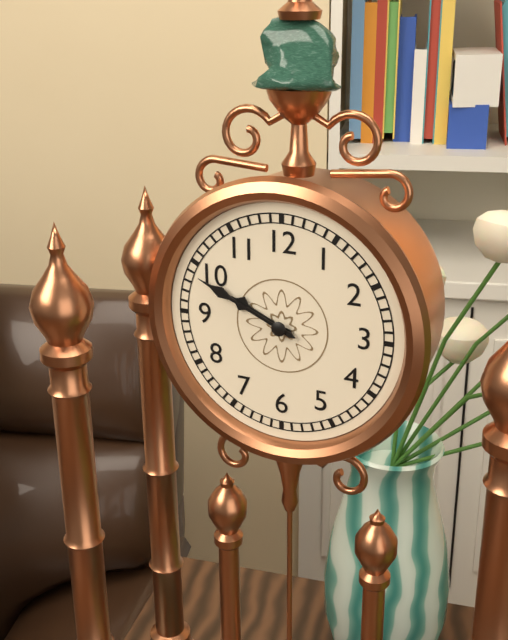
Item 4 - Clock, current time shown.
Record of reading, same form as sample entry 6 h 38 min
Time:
9 h 49 min
